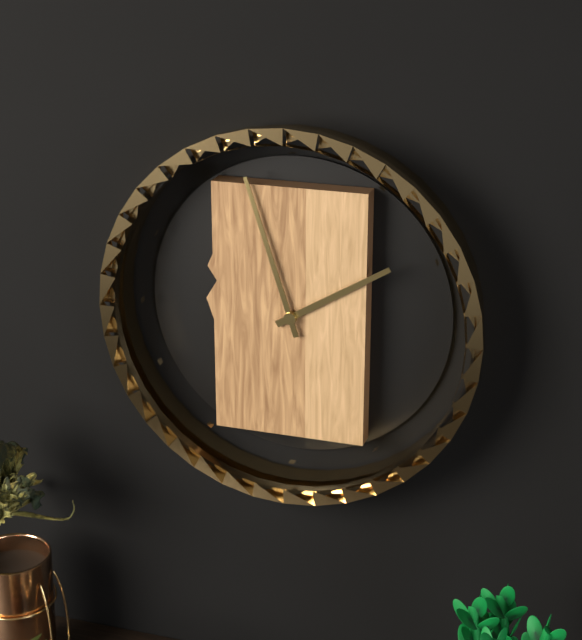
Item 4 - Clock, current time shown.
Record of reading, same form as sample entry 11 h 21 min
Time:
1 h 57 min
